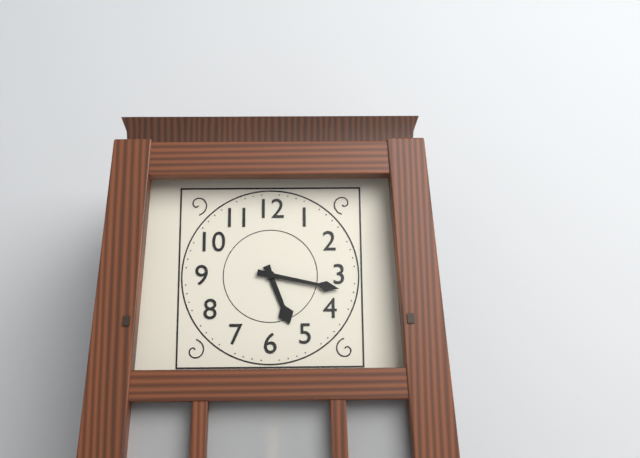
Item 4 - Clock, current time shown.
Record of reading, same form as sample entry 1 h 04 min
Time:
5 h 17 min
